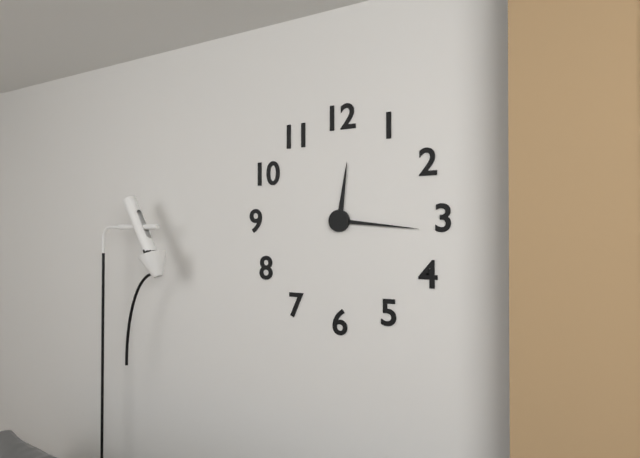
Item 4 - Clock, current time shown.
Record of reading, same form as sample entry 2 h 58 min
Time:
12 h 16 min
